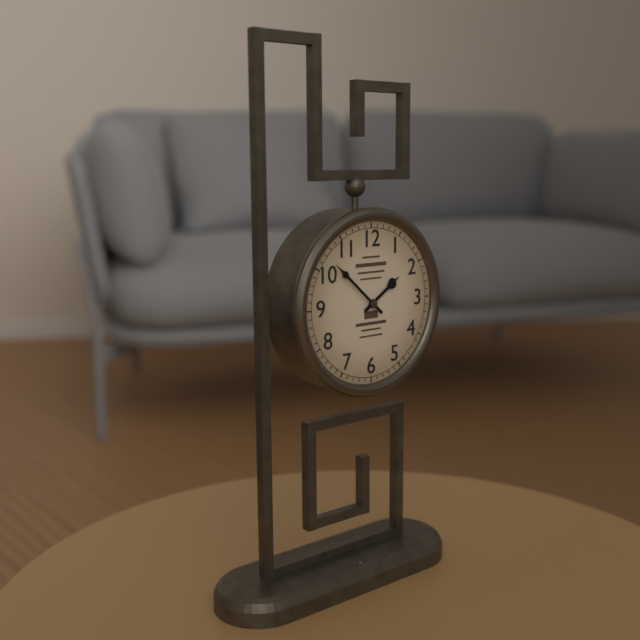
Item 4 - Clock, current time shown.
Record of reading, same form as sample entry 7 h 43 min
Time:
1 h 52 min
